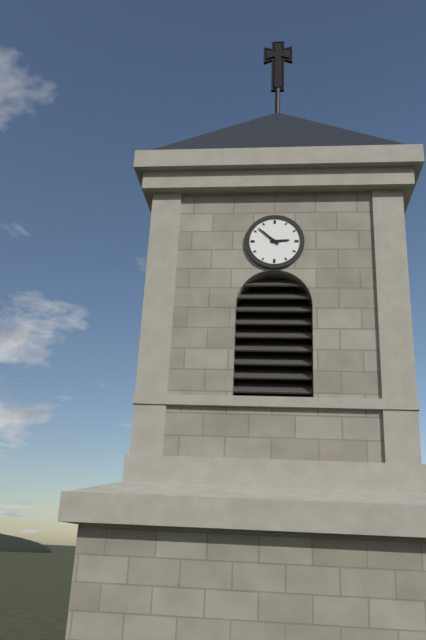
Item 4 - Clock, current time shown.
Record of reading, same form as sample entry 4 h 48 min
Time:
2 h 52 min
